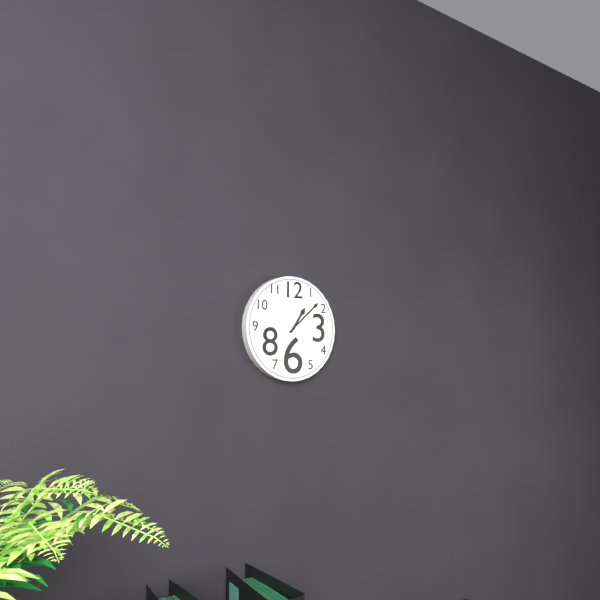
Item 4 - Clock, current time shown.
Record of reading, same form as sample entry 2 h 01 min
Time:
1 h 08 min
